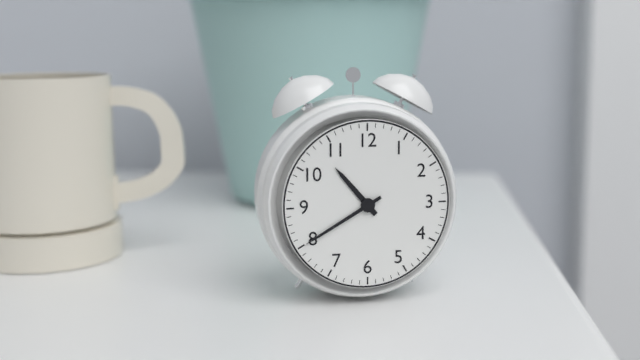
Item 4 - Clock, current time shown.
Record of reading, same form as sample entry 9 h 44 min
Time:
10 h 40 min
